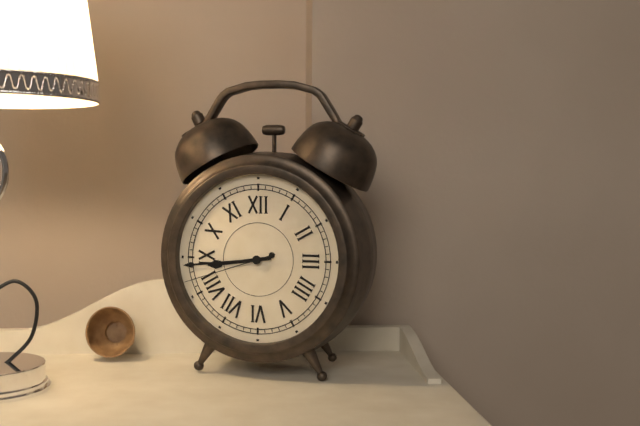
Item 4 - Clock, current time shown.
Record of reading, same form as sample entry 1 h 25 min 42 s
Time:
8 h 44 min 42 s
